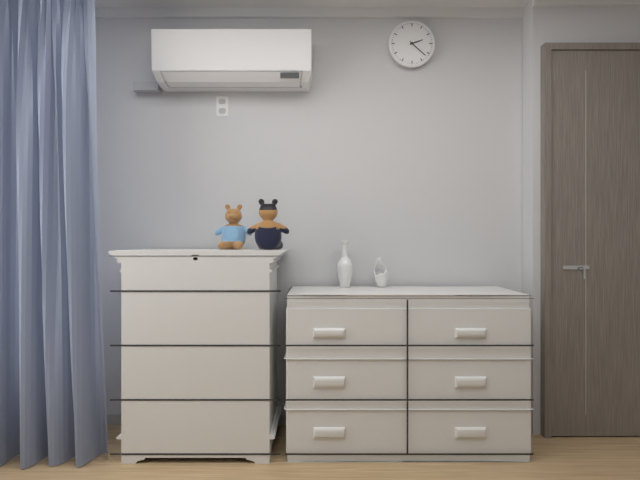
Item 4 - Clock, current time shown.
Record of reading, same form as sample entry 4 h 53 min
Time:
2 h 22 min
